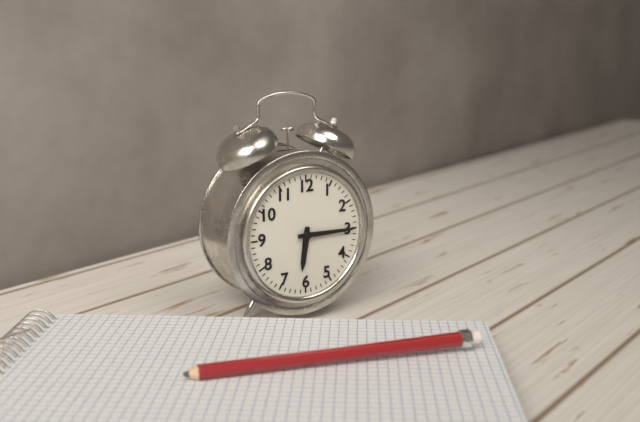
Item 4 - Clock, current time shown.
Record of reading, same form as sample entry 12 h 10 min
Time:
6 h 15 min
